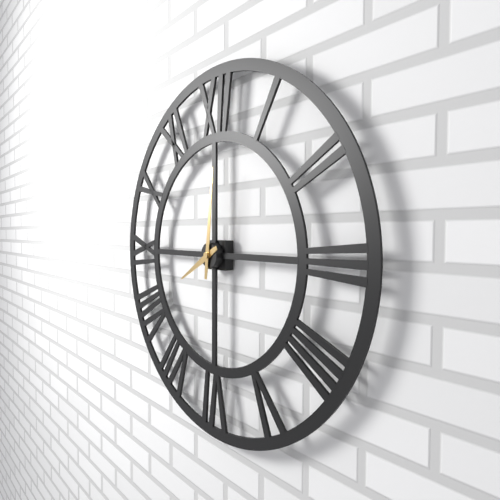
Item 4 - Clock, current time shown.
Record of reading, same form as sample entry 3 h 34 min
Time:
8 h 01 min
